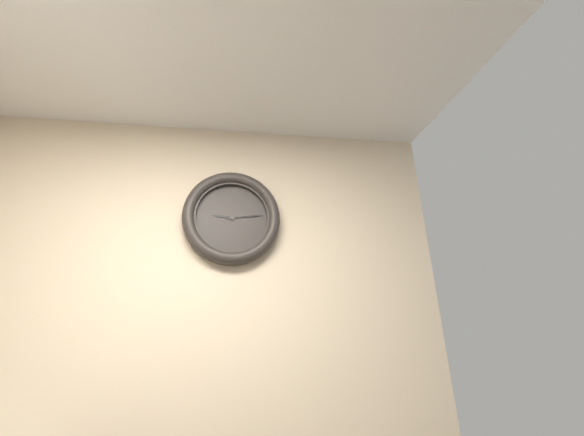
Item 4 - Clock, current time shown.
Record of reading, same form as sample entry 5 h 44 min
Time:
9 h 14 min
